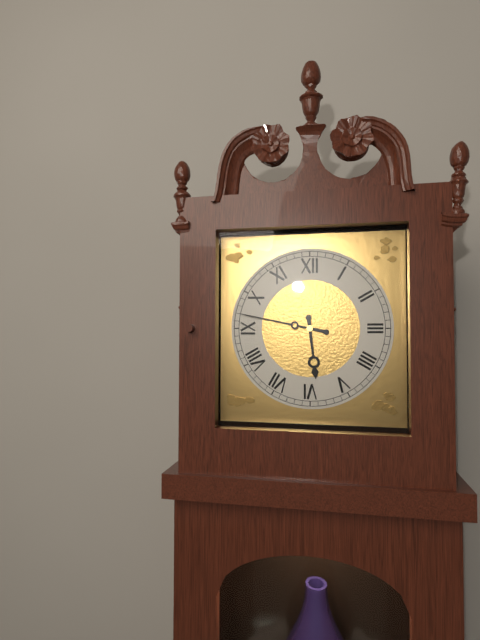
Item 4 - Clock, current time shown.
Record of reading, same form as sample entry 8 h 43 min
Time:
5 h 47 min
